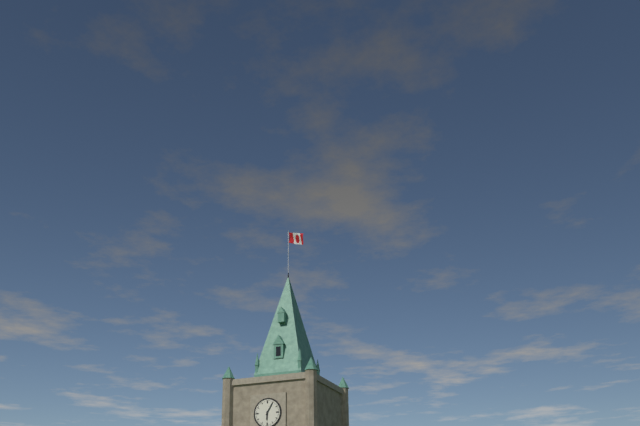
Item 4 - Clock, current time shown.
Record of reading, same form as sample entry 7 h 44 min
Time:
6 h 05 min
